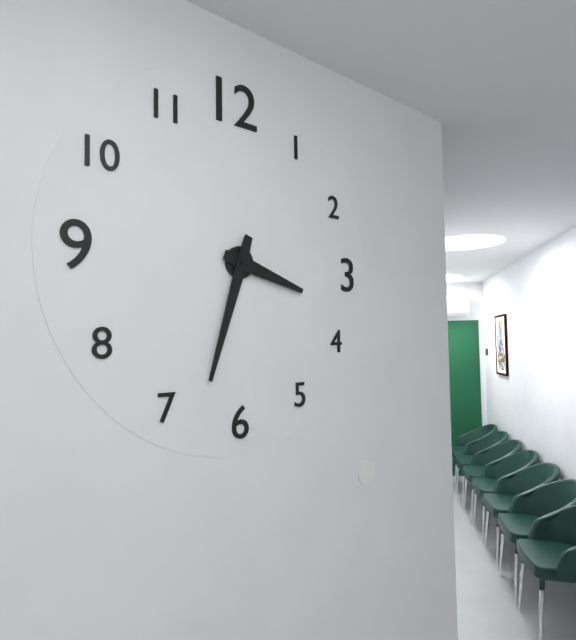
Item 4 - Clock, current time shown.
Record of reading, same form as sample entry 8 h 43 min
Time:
3 h 33 min
